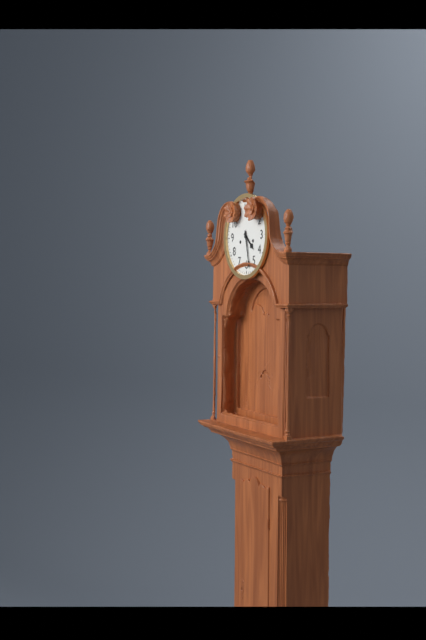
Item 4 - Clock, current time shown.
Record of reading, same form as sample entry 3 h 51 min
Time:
4 h 28 min
